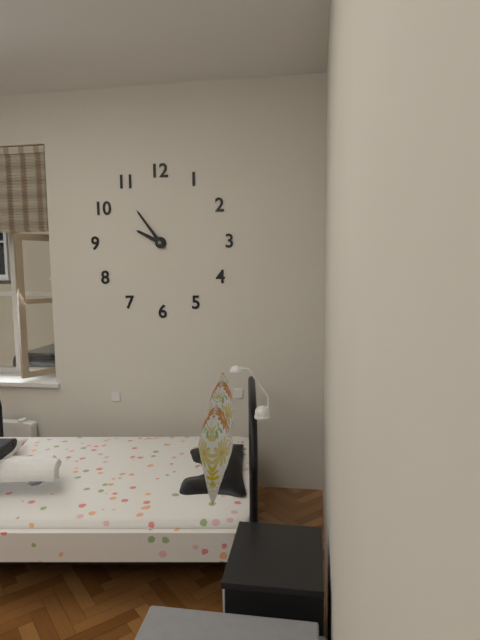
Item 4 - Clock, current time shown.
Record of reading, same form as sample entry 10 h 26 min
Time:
9 h 54 min
